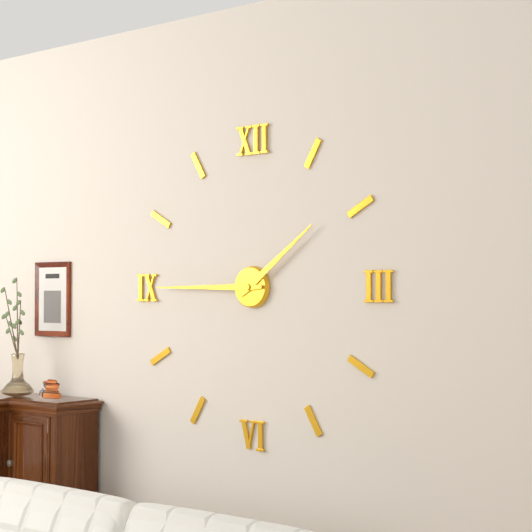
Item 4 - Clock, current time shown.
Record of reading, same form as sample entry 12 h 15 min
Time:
1 h 45 min
